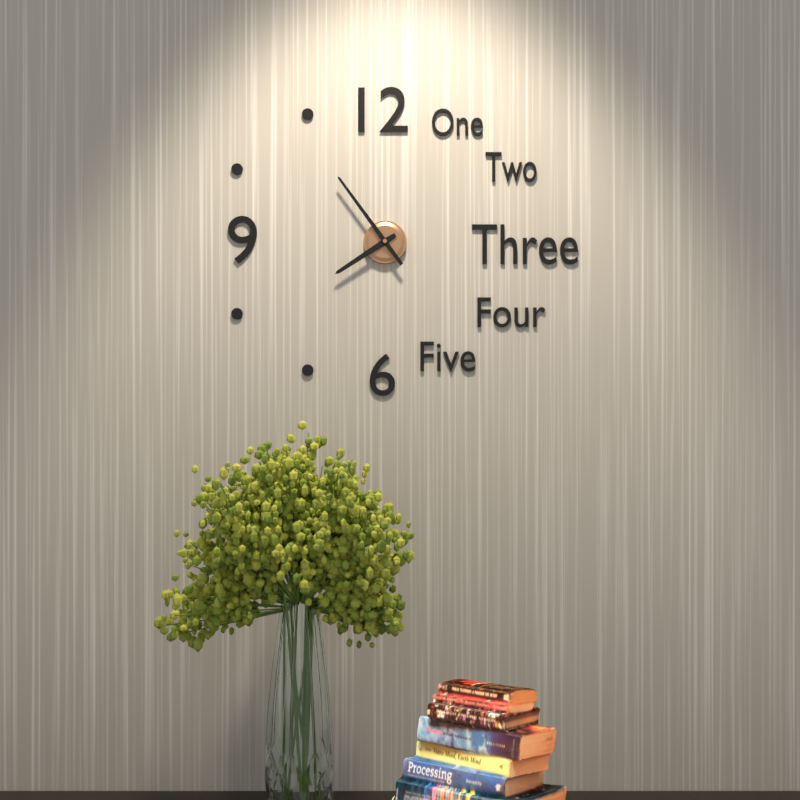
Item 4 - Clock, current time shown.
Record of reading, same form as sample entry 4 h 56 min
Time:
7 h 54 min
